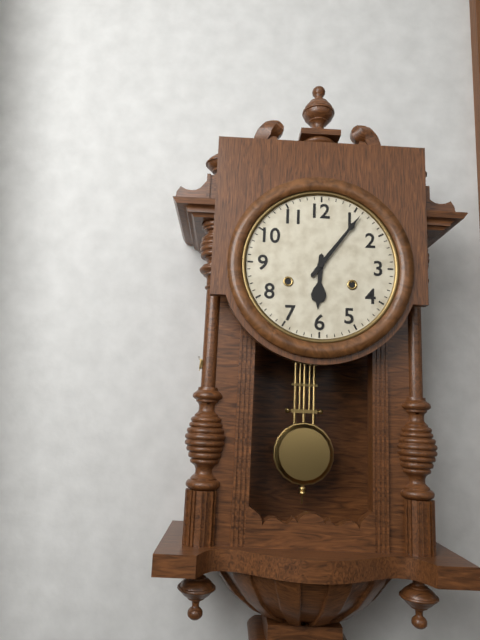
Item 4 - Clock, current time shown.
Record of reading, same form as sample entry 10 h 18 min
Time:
6 h 06 min
